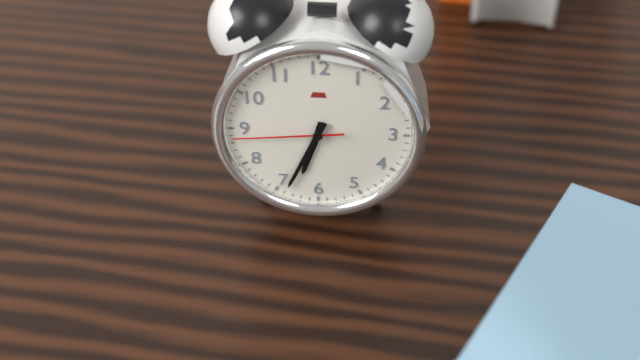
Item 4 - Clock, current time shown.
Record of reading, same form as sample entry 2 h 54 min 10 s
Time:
6 h 34 min 44 s
